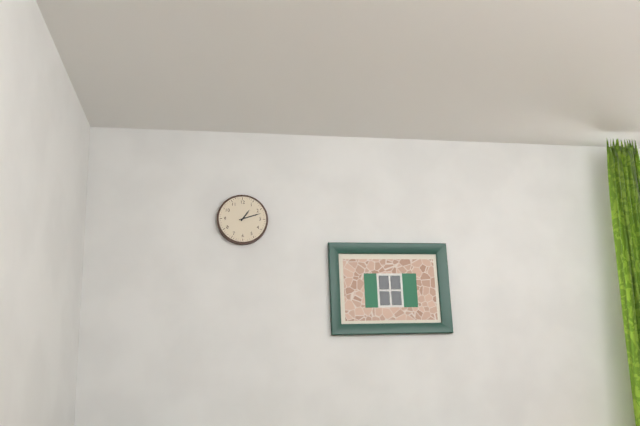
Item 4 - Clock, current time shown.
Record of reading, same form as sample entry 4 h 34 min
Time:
1 h 12 min
